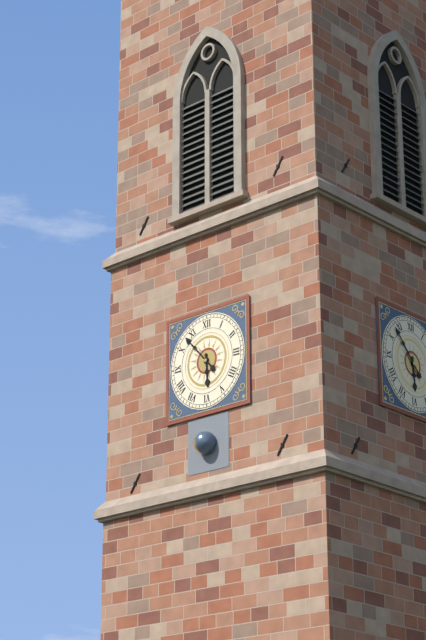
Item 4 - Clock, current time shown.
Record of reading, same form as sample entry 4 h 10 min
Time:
5 h 53 min
